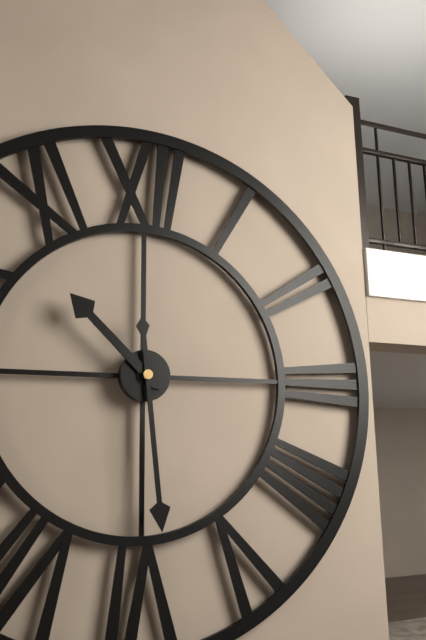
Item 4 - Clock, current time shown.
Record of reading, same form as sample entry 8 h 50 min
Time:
10 h 29 min
